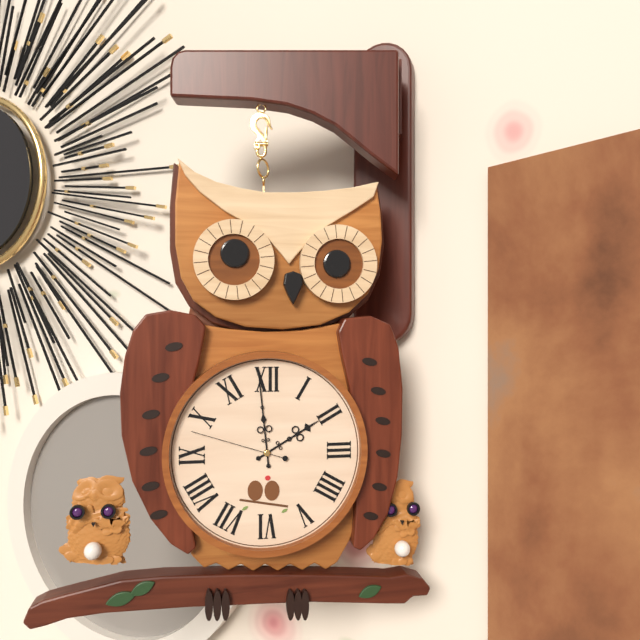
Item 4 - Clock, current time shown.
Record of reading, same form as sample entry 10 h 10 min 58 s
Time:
1 h 59 min 48 s
